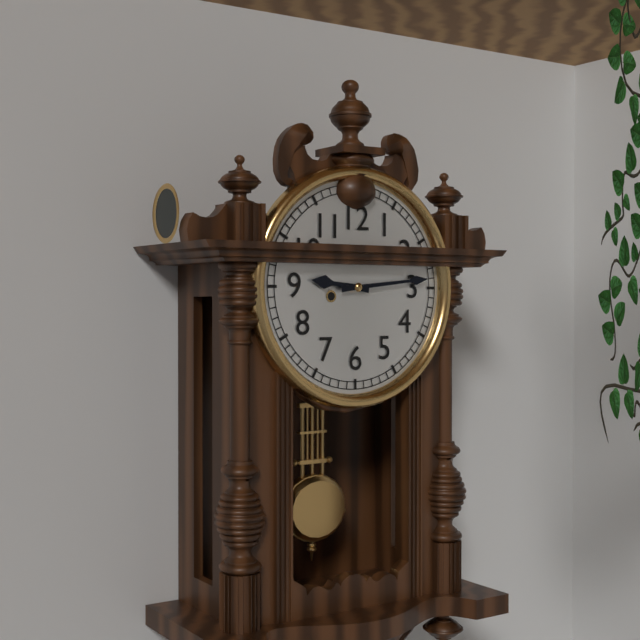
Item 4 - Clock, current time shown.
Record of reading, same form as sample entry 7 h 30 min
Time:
9 h 14 min
